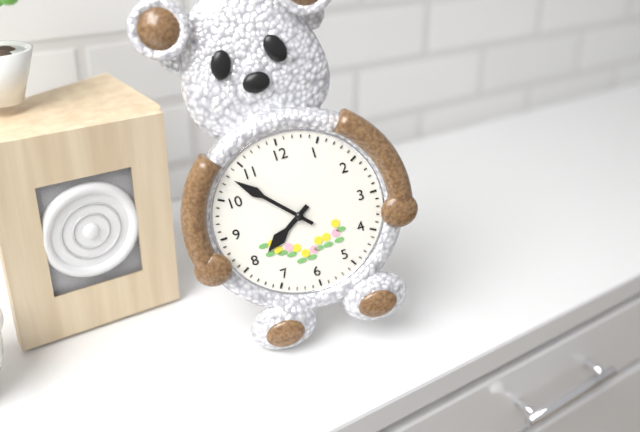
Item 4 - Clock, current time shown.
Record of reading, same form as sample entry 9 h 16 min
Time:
7 h 53 min
